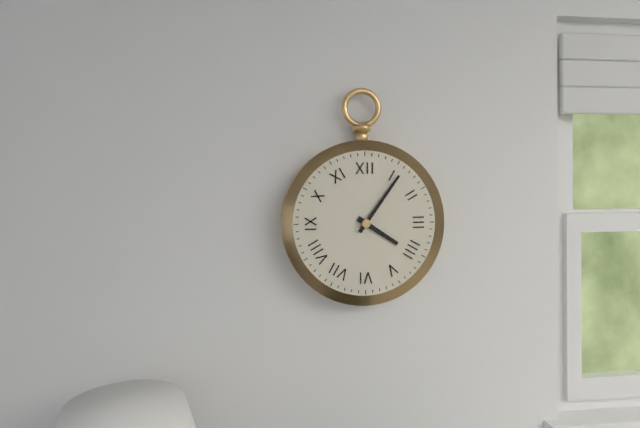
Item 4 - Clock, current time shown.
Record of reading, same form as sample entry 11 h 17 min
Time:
4 h 06 min
